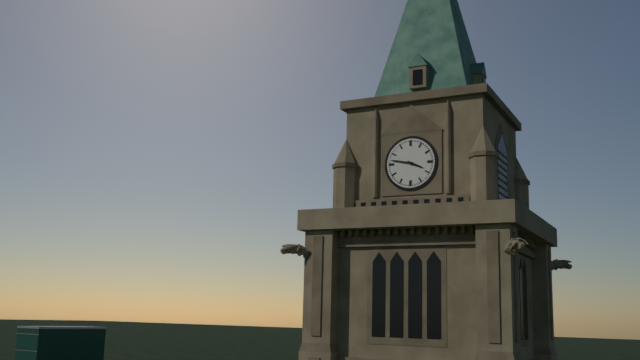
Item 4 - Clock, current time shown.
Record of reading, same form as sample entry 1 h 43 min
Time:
3 h 47 min
